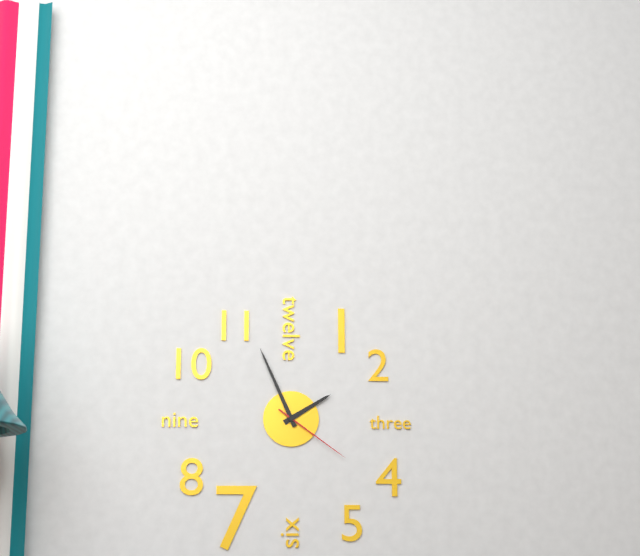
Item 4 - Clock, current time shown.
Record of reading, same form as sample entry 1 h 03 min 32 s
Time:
1 h 56 min 21 s
